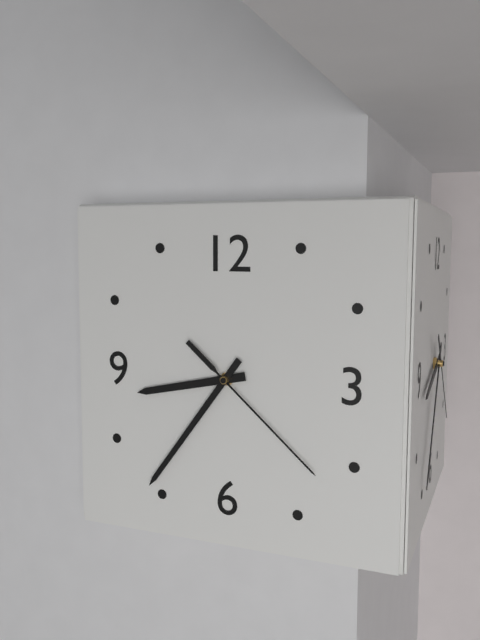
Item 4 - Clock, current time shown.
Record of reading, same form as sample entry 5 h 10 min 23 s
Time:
8 h 36 min 22 s
